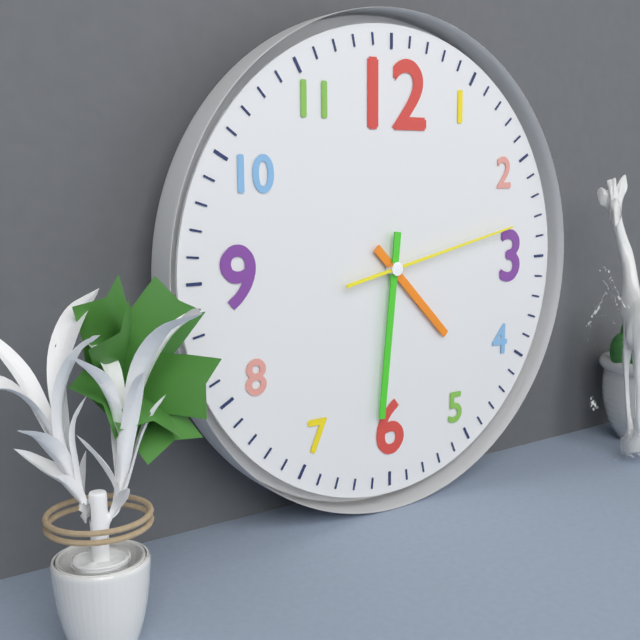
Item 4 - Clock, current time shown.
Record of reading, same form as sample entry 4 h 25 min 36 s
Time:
4 h 31 min 13 s
